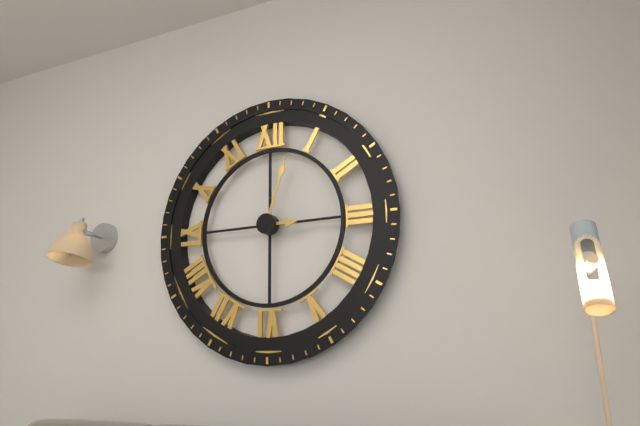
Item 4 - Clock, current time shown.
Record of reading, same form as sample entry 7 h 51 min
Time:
3 h 03 min
